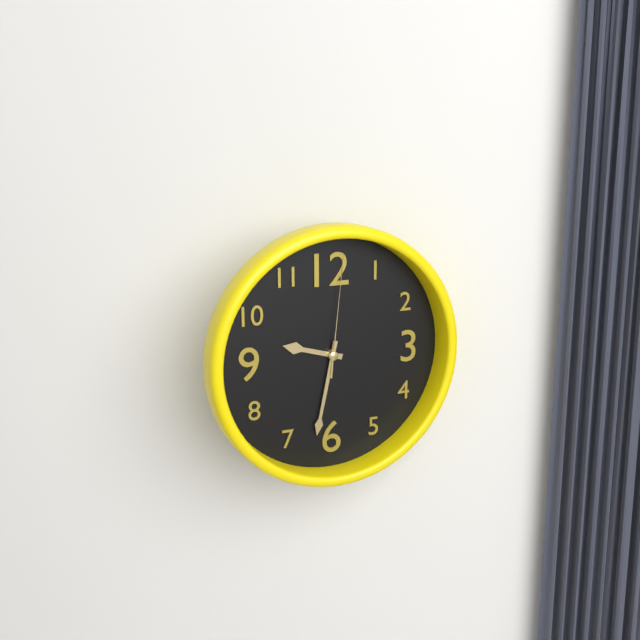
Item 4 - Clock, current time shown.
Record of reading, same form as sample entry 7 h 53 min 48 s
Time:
9 h 32 min 01 s
